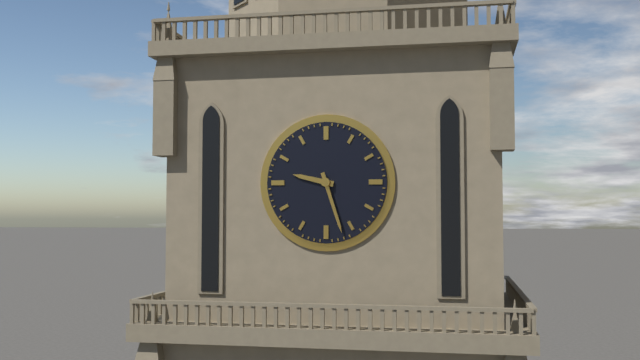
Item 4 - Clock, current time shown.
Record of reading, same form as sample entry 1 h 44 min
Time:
9 h 27 min
